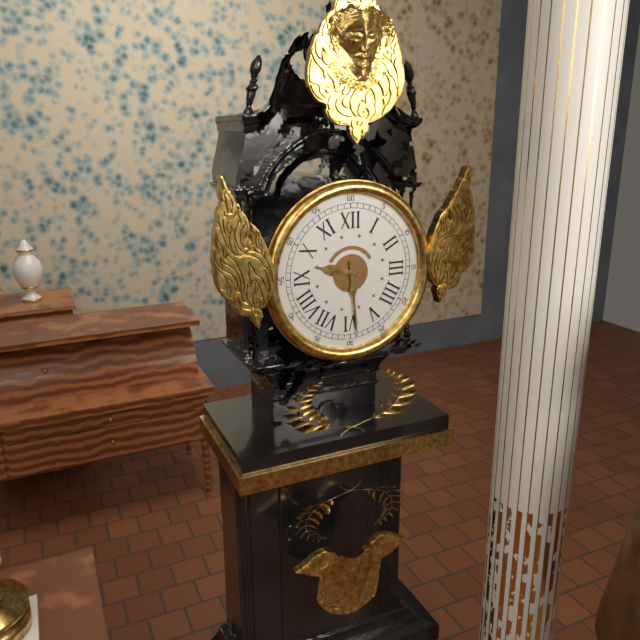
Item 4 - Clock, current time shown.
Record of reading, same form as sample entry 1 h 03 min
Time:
9 h 29 min
